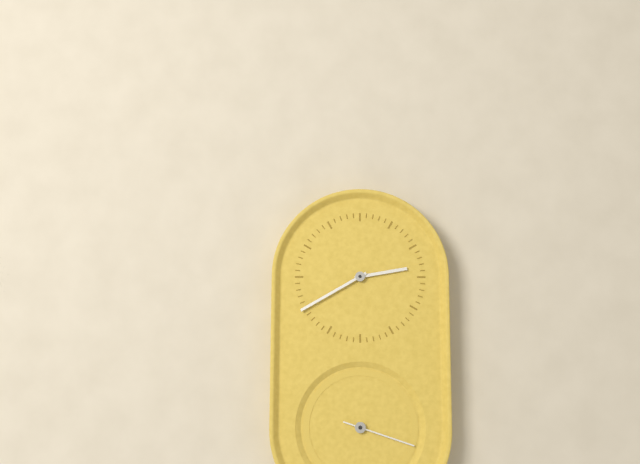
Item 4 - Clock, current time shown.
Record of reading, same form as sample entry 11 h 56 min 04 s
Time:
2 h 40 min 18 s
